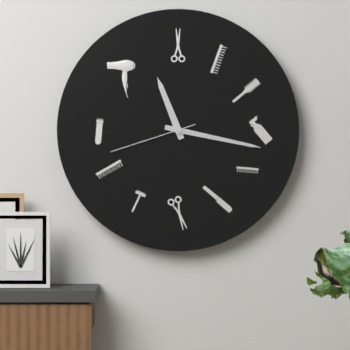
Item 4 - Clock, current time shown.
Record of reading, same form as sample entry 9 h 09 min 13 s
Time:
11 h 17 min 42 s
